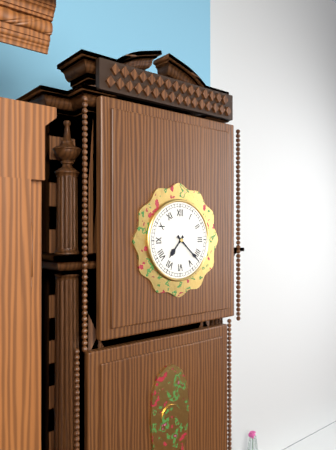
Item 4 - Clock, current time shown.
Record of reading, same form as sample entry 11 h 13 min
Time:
7 h 22 min
